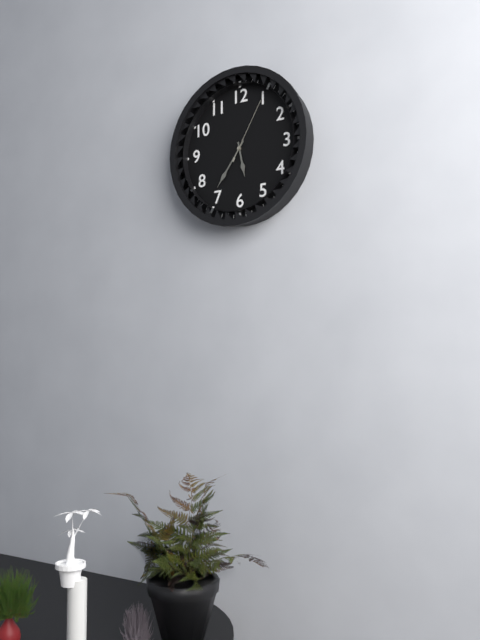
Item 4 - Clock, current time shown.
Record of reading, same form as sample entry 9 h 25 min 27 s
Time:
5 h 36 min 05 s
